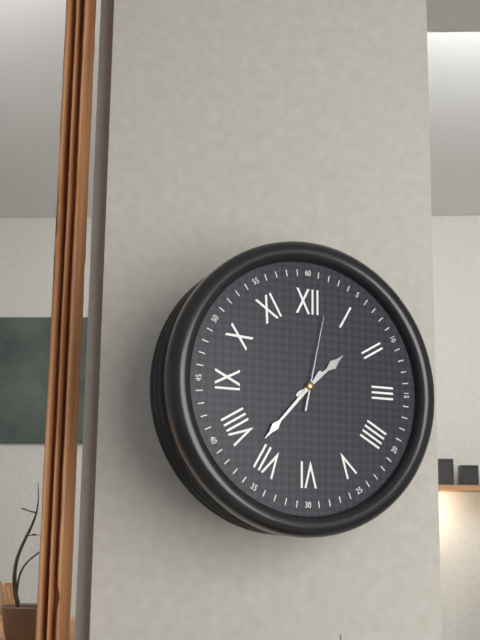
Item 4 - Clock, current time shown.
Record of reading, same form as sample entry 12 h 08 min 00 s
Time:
1 h 37 min 02 s
